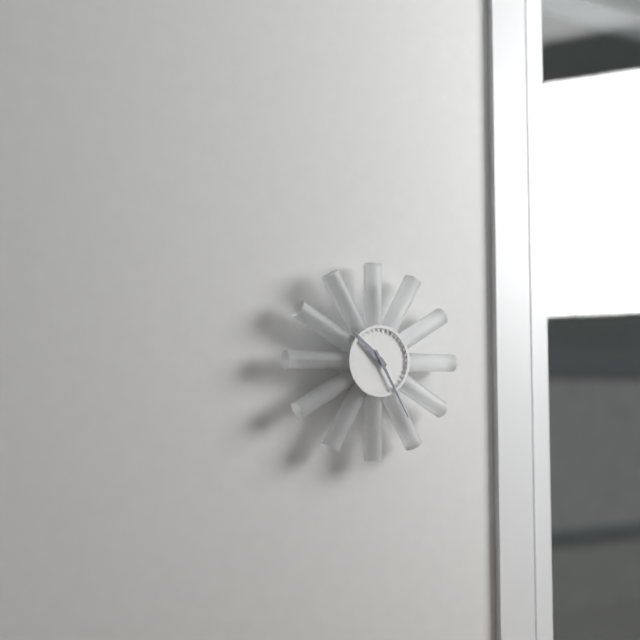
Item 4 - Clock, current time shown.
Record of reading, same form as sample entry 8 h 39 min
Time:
10 h 25 min
